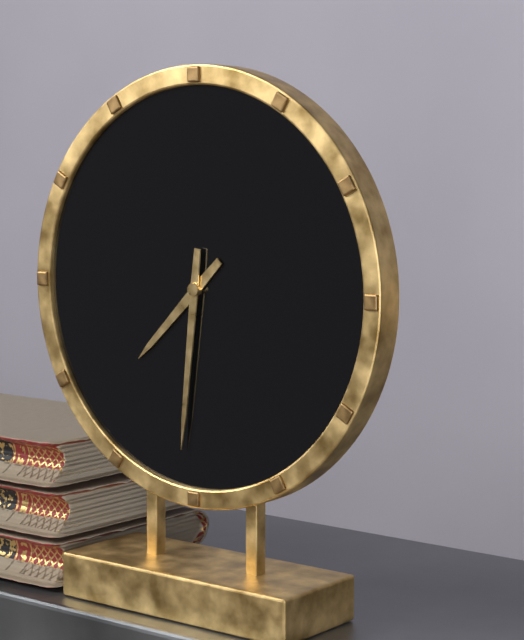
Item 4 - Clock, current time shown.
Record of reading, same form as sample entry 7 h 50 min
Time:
7 h 31 min
